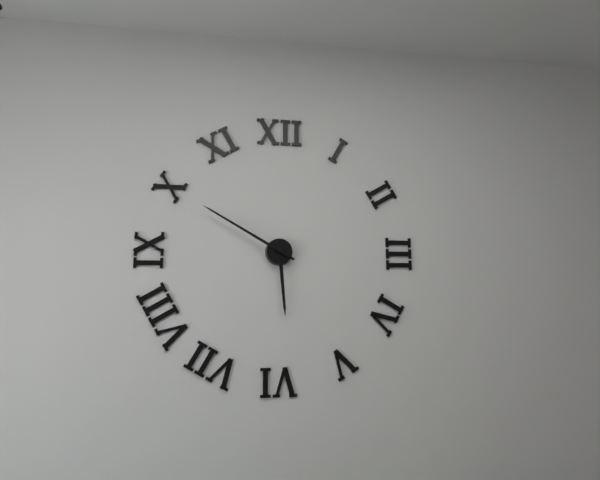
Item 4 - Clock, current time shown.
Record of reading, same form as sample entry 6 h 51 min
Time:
5 h 50 min
